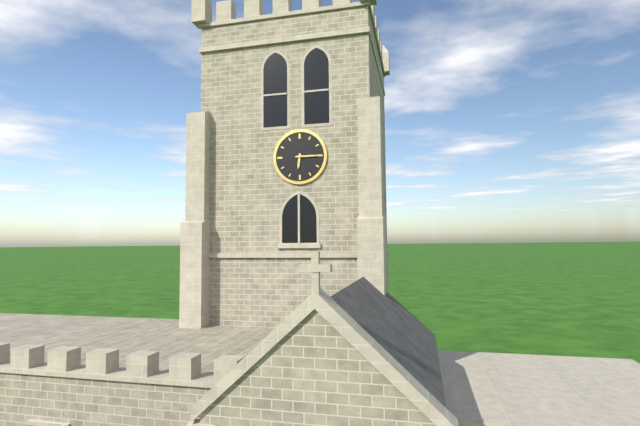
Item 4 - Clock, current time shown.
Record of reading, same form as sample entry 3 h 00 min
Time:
6 h 15 min
